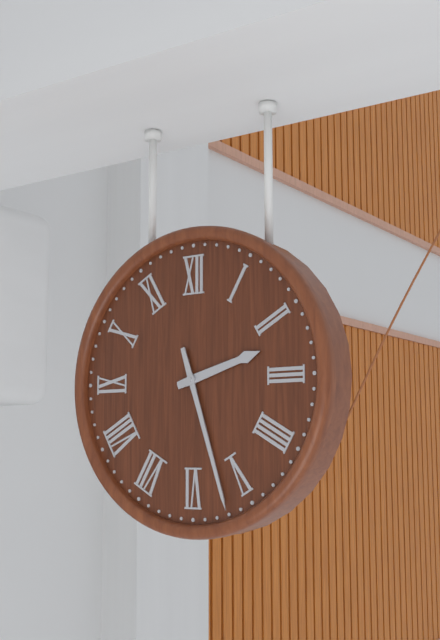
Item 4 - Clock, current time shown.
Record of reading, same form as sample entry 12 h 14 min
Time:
2 h 27 min
